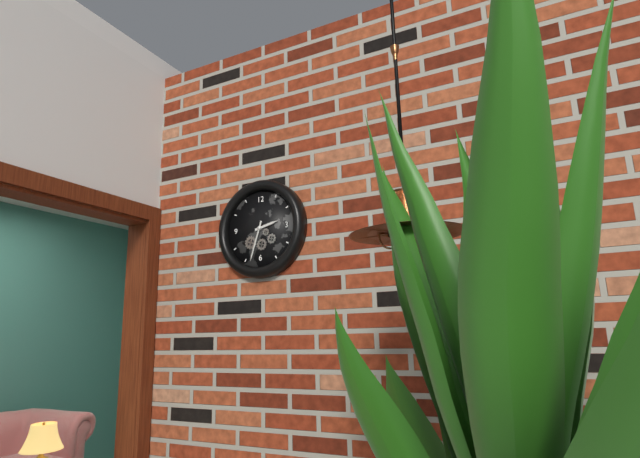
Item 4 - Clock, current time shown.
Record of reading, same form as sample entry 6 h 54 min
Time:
2 h 33 min
